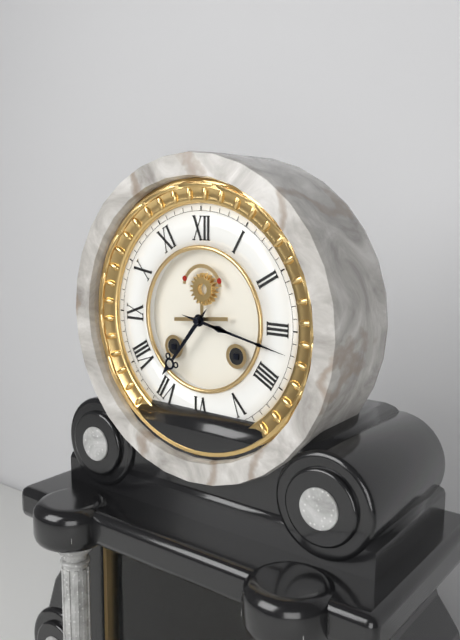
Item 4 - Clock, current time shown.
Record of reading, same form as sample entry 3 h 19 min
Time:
7 h 17 min
